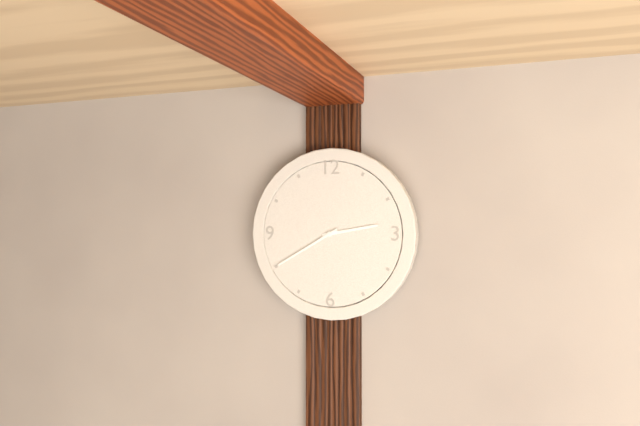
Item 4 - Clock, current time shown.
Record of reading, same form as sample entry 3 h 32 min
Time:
2 h 40 min
